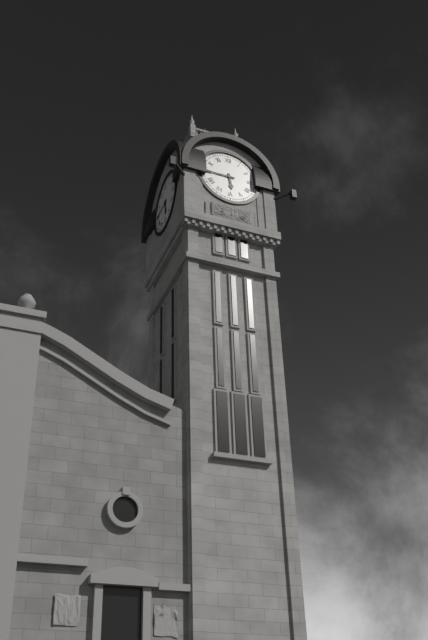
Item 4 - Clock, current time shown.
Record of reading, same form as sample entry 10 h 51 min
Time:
5 h 45 min
